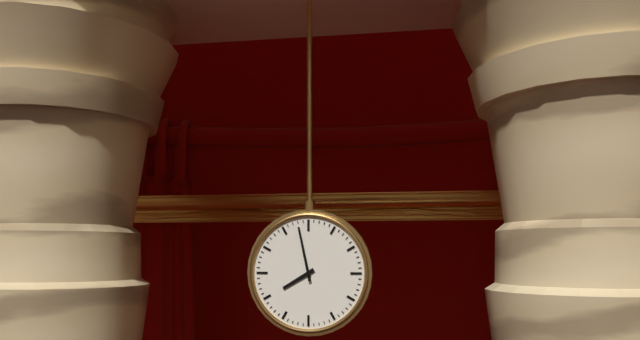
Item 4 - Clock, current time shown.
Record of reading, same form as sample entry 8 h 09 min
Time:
7 h 58 min
